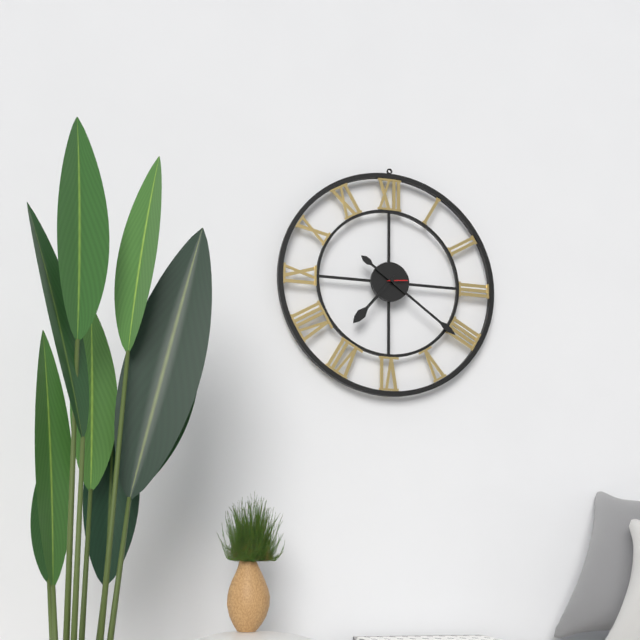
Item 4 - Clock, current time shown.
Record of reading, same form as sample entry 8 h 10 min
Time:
7 h 21 min
